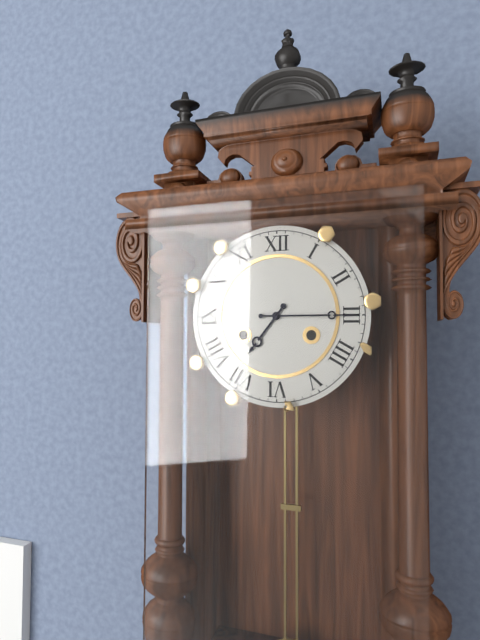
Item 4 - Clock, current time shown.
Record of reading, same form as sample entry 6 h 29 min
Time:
7 h 15 min
